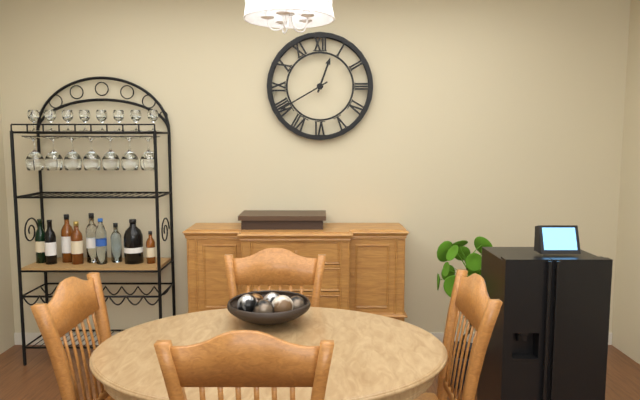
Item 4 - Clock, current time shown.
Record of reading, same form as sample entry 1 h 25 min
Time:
12 h 40 min
